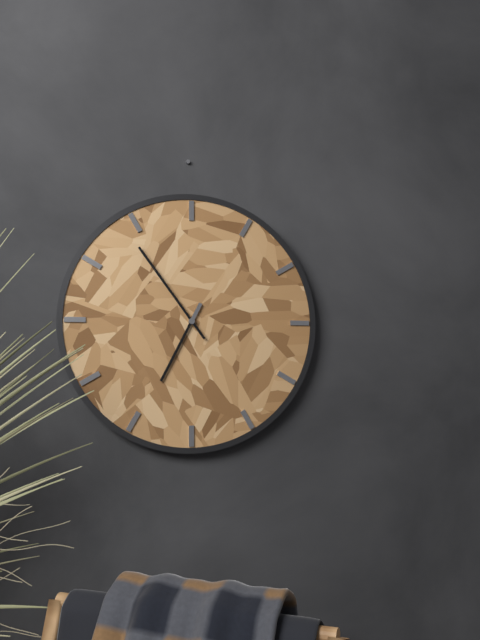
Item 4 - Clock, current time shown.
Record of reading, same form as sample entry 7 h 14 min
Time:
6 h 54 min
